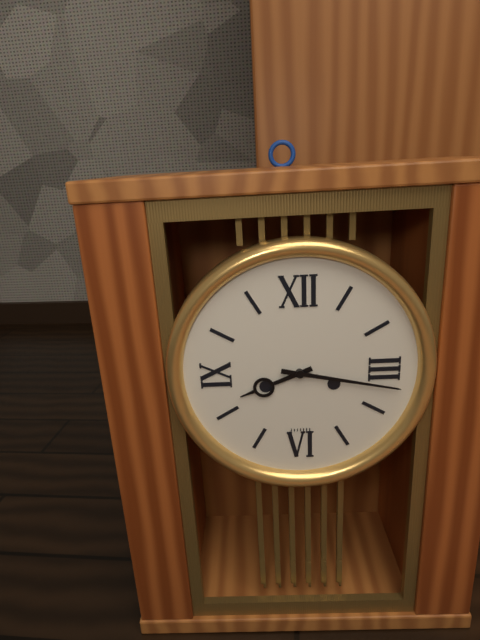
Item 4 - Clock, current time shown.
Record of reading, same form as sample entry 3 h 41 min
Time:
8 h 17 min
